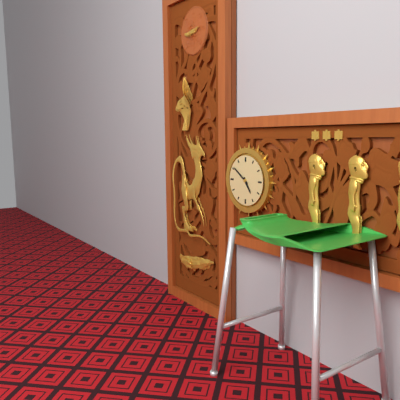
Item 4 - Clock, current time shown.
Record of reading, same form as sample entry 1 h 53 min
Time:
4 h 51 min
